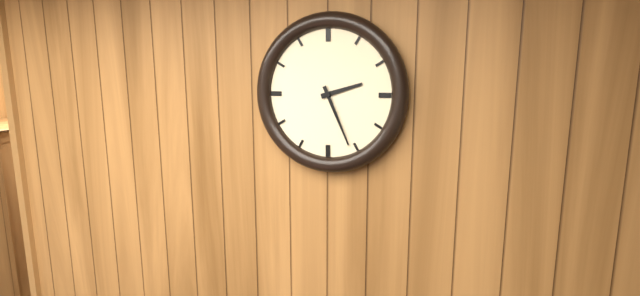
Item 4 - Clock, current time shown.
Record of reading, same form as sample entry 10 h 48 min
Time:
2 h 26 min
